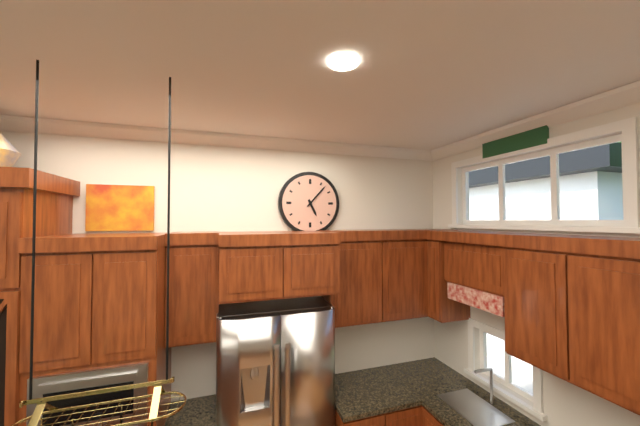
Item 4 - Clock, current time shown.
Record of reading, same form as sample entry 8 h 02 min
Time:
5 h 07 min
